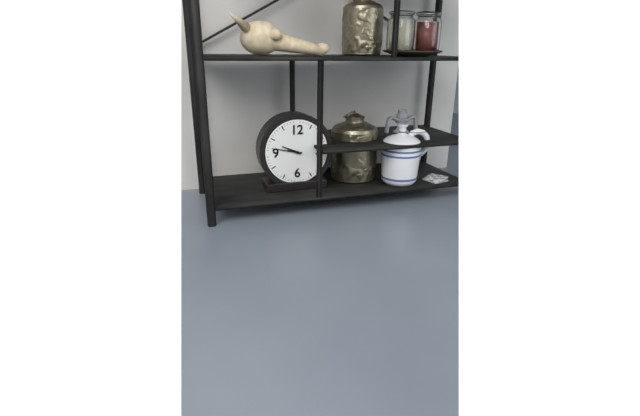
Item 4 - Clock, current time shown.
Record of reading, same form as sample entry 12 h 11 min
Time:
9 h 47 min
